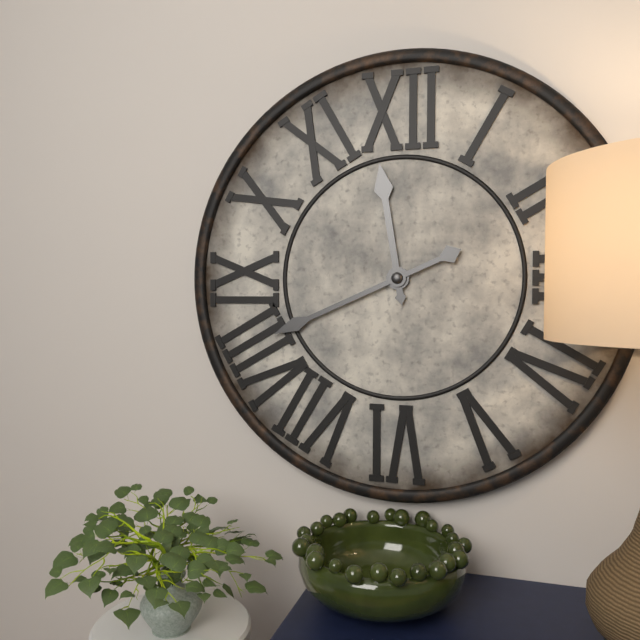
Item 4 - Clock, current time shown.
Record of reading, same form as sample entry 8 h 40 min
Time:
11 h 41 min
